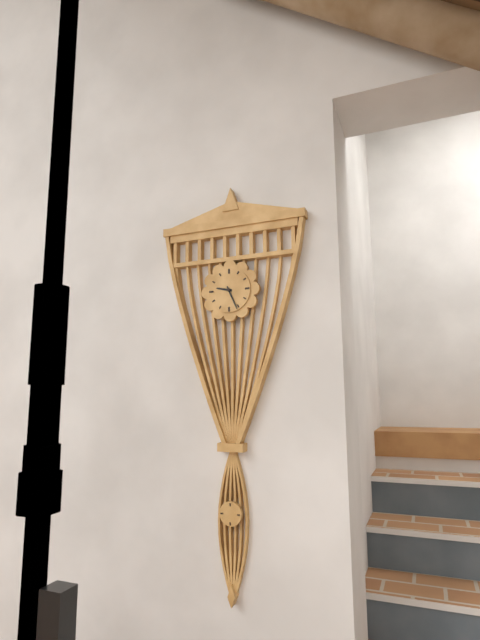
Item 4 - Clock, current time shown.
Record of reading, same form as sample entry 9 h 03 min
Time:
9 h 26 min
